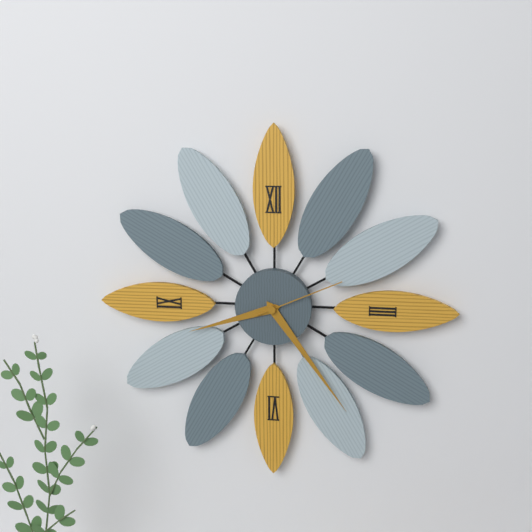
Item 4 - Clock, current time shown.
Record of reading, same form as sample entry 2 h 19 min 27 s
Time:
8 h 24 min 11 s
